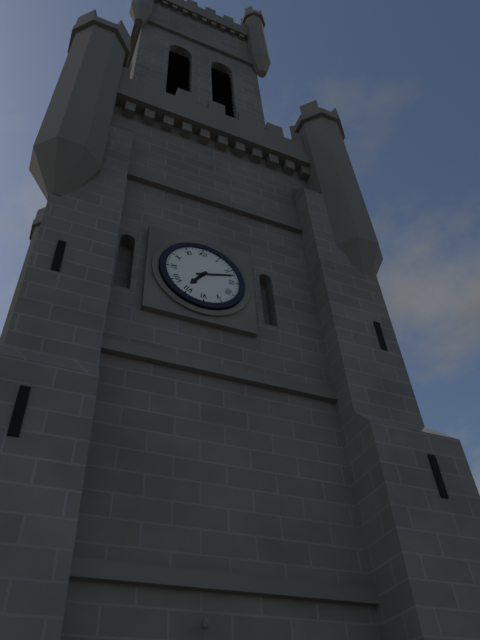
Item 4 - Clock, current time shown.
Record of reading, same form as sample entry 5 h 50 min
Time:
7 h 12 min
